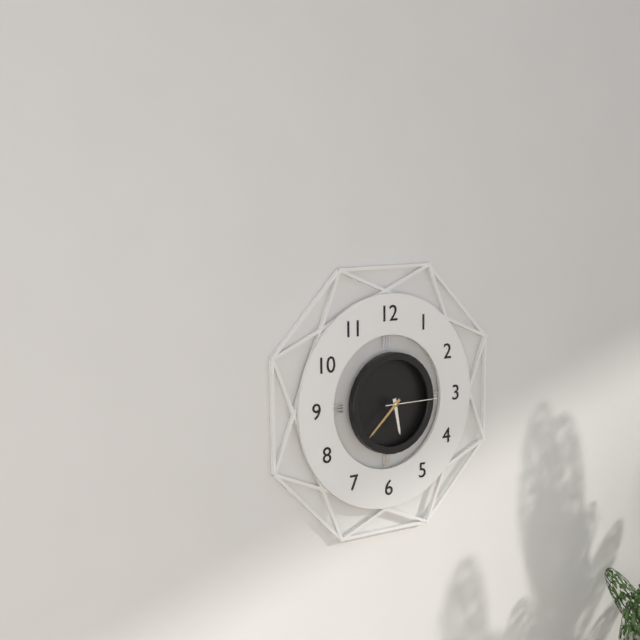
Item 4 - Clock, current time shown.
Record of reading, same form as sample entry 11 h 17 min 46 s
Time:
5 h 38 min 15 s
